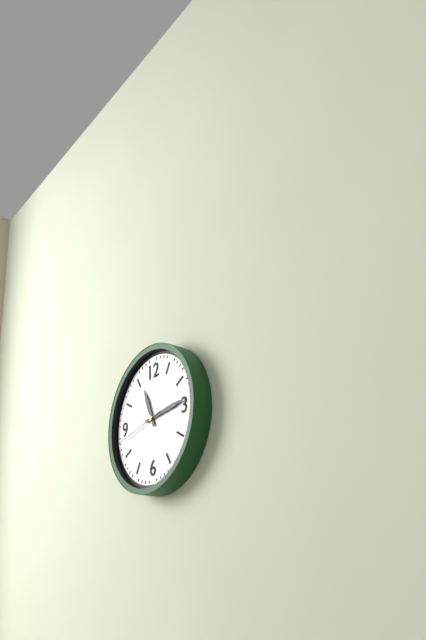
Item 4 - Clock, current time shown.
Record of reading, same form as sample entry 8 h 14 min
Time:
11 h 14 min
